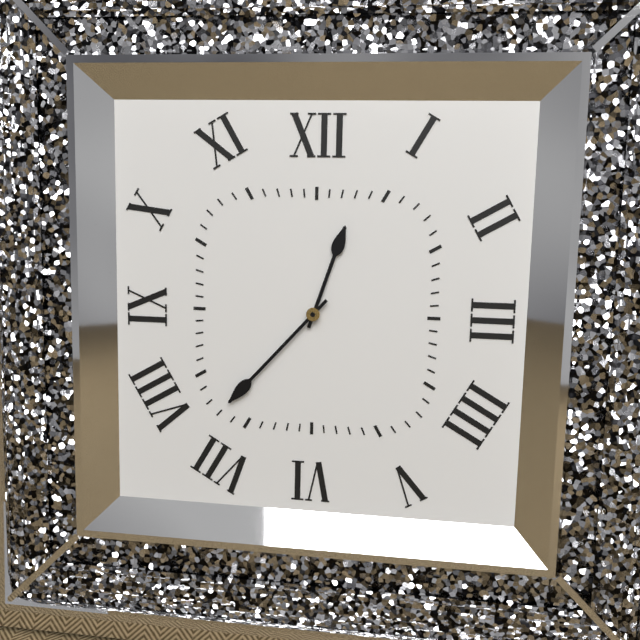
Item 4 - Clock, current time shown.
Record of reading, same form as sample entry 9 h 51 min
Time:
12 h 37 min
